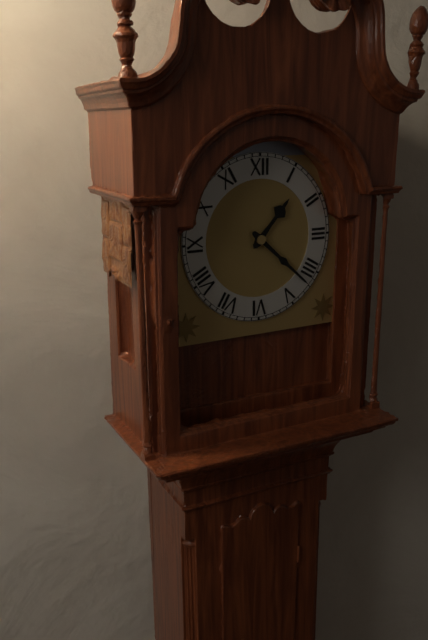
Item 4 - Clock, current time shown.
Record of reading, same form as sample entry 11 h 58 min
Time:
1 h 22 min
